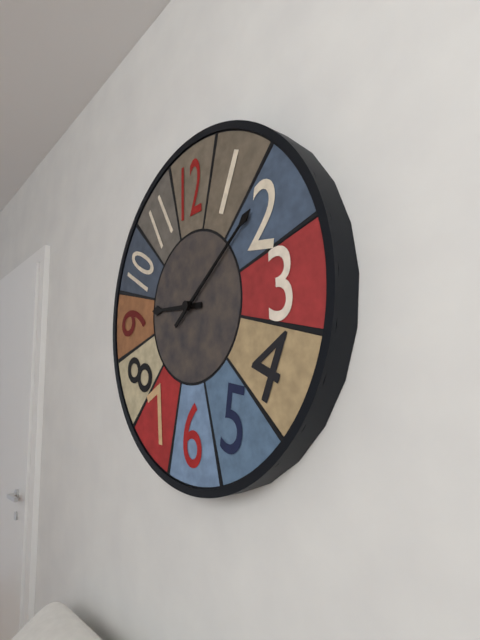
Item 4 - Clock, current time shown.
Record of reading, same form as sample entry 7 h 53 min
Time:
9 h 09 min
